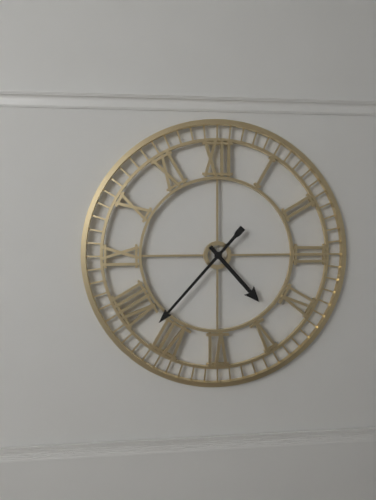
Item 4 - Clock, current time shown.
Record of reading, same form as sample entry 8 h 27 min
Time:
4 h 37 min
